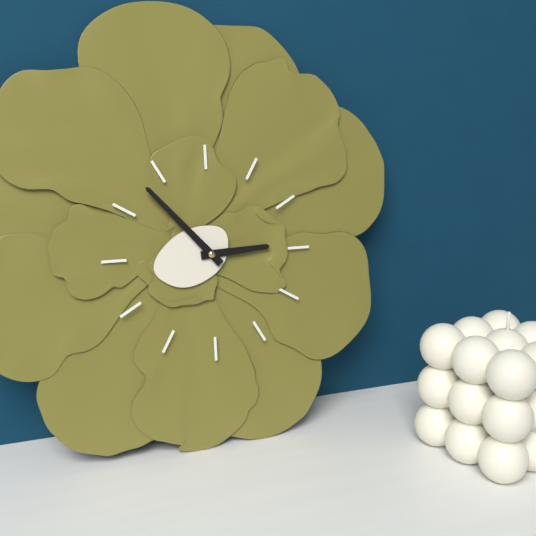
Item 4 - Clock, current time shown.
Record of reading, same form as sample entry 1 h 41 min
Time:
2 h 53 min
